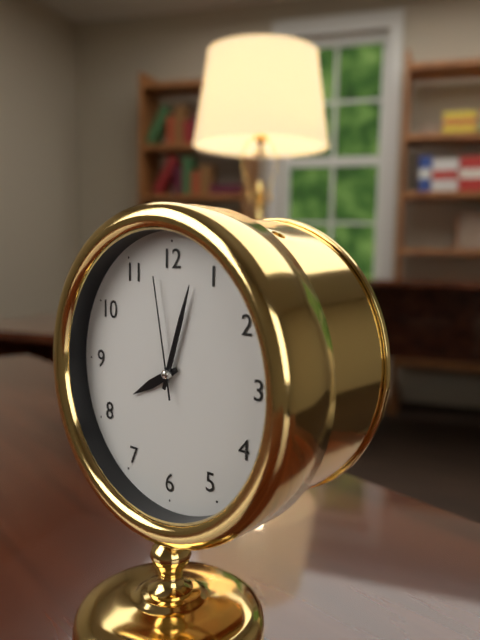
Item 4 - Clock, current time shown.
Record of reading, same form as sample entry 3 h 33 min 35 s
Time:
8 h 03 min 58 s
